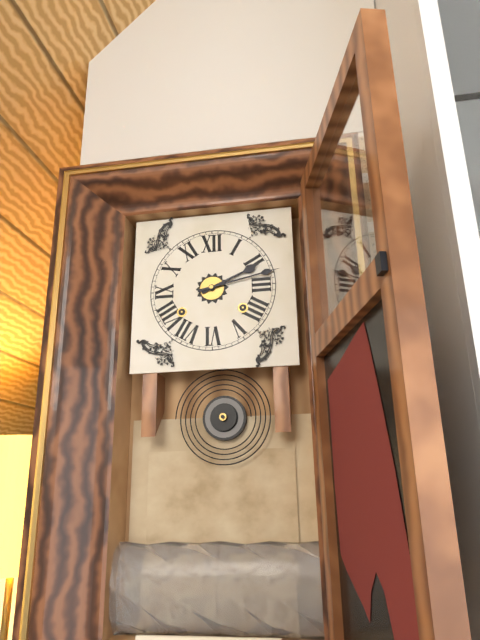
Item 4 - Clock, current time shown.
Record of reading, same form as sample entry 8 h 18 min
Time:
2 h 13 min
